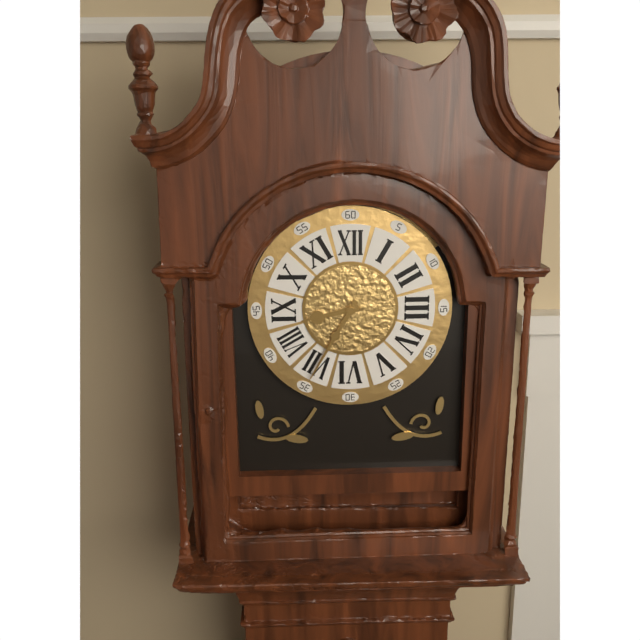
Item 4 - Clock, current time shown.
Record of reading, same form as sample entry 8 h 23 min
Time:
8 h 35 min
